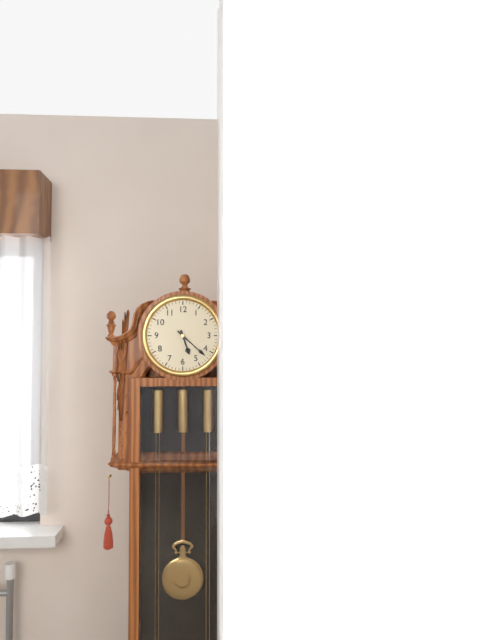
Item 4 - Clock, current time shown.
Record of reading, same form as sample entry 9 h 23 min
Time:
5 h 22 min
